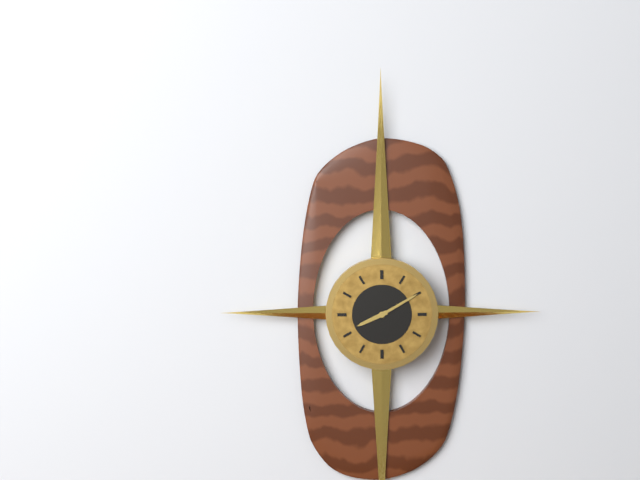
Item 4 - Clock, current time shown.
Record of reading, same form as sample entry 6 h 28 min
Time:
8 h 10 min
